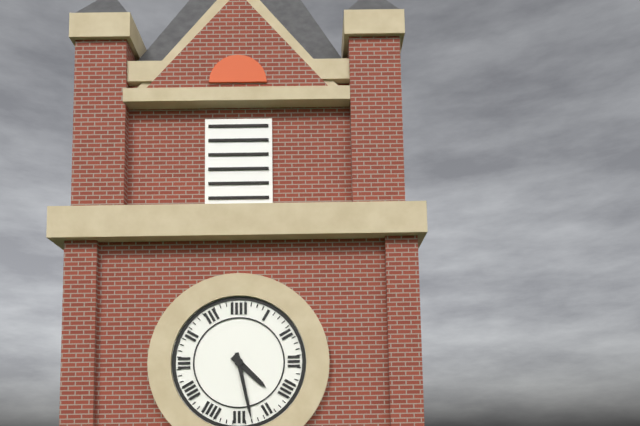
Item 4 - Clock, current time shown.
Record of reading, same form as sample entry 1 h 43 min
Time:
4 h 28 min
